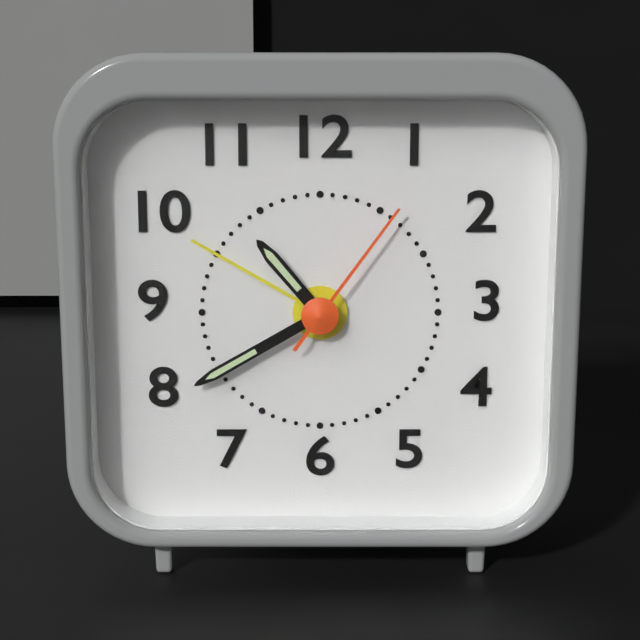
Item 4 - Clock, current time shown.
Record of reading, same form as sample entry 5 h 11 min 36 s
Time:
10 h 40 min 06 s
